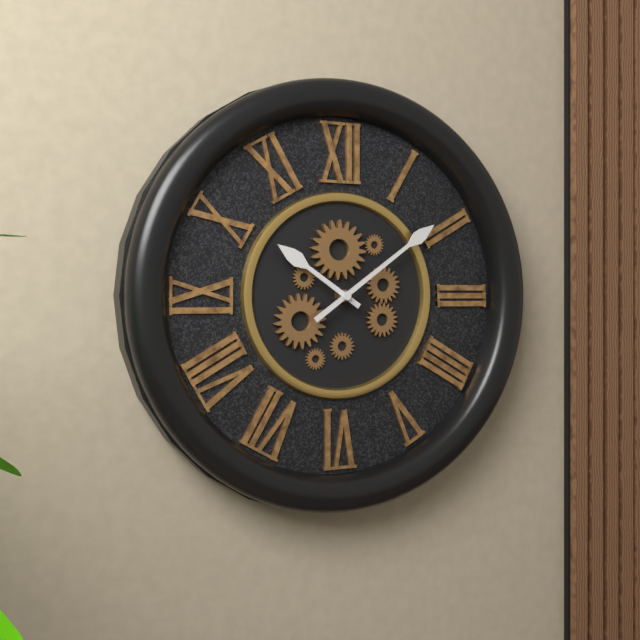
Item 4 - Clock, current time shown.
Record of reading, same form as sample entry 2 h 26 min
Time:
10 h 09 min
